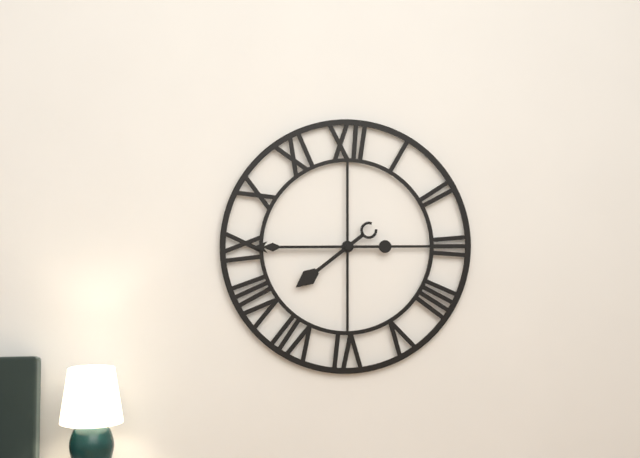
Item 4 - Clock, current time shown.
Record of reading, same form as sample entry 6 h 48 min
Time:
7 h 45 min
